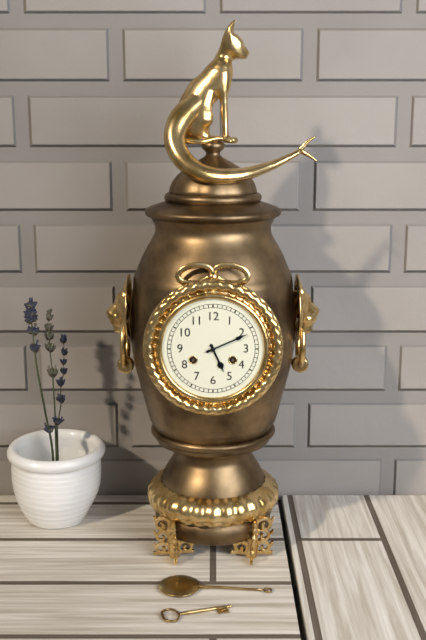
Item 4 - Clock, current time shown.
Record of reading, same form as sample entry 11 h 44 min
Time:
5 h 11 min
